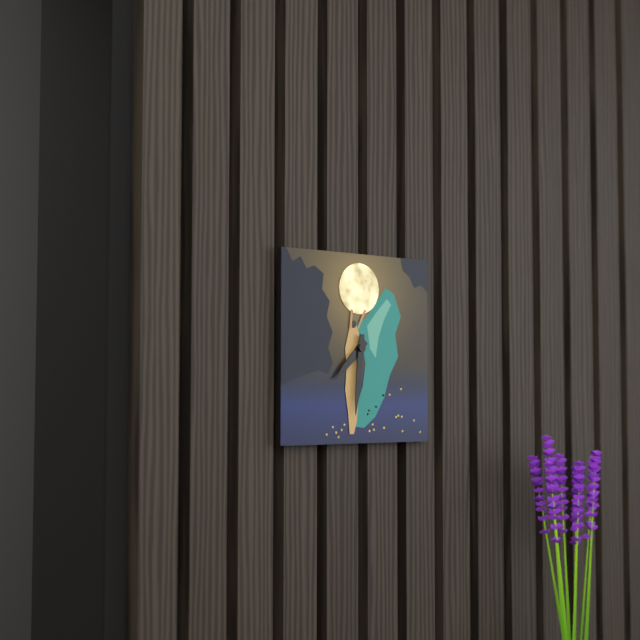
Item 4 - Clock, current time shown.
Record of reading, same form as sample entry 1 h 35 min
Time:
7 h 31 min
